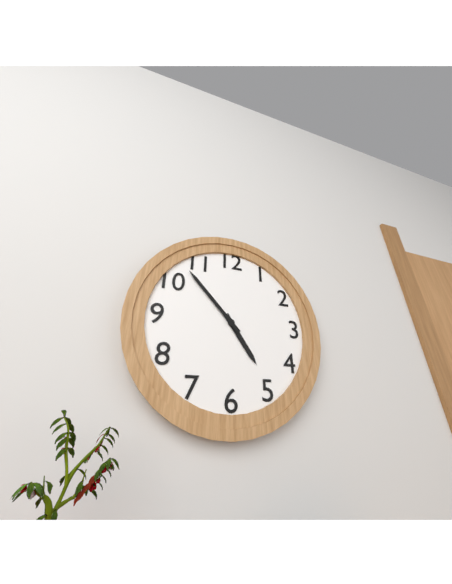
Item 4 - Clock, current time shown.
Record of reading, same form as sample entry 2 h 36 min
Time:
4 h 53 min
